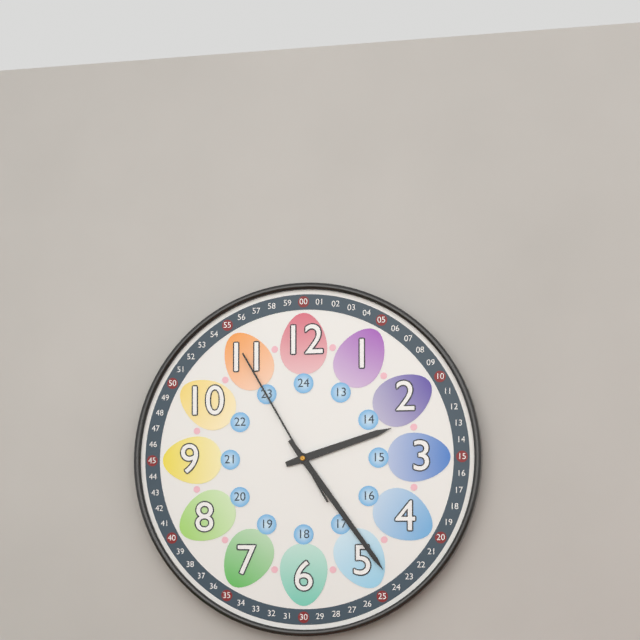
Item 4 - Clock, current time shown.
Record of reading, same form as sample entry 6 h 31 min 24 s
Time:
2 h 24 min 55 s
